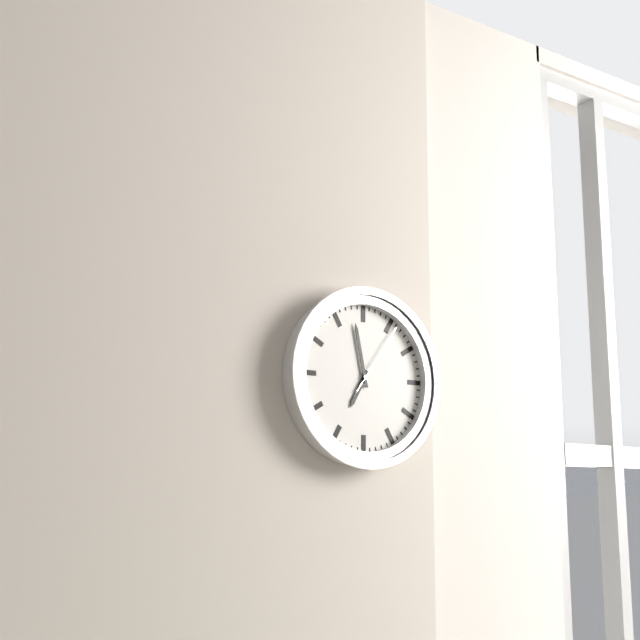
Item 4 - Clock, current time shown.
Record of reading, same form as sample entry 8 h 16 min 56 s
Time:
6 h 58 min 06 s
